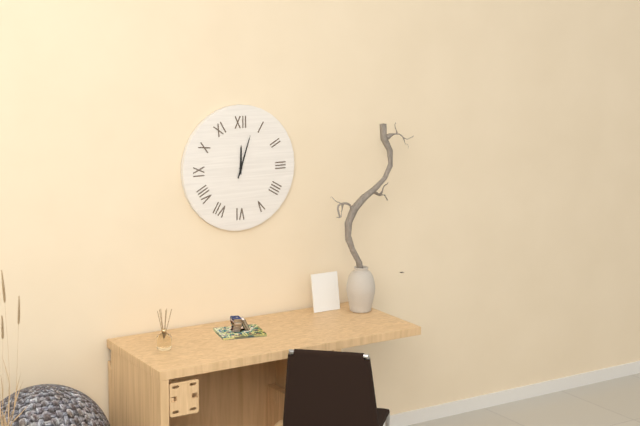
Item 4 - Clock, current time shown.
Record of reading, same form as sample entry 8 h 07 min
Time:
12 h 03 min
